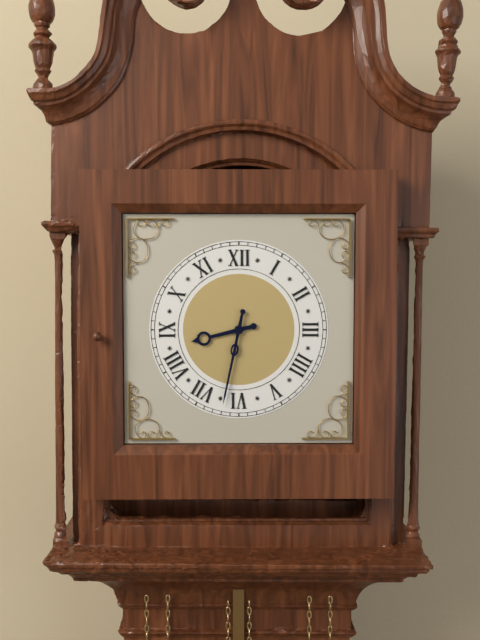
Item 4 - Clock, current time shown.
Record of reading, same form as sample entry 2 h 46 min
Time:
8 h 32 min
